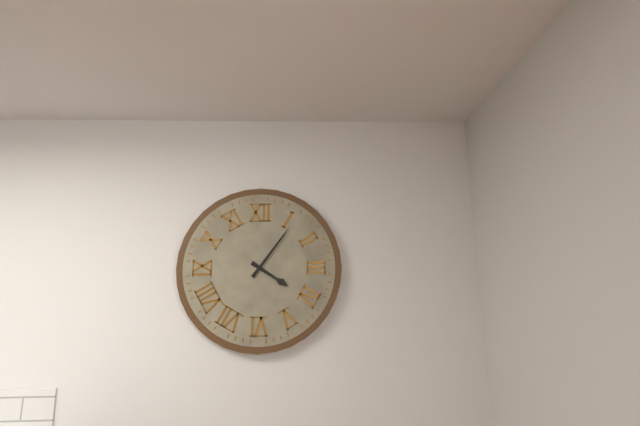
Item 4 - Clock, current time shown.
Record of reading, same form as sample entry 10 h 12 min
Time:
4 h 06 min
